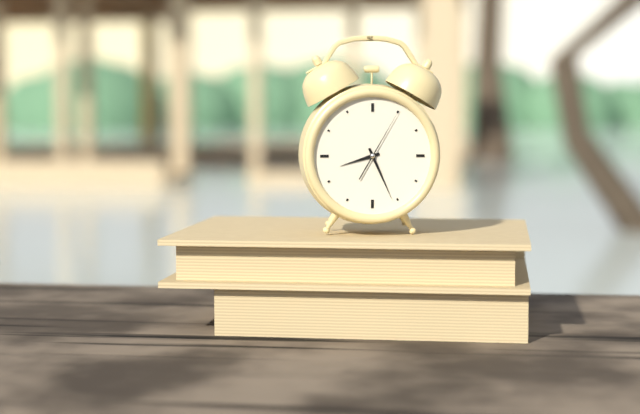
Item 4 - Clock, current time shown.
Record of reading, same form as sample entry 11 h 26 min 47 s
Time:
8 h 26 min 05 s
